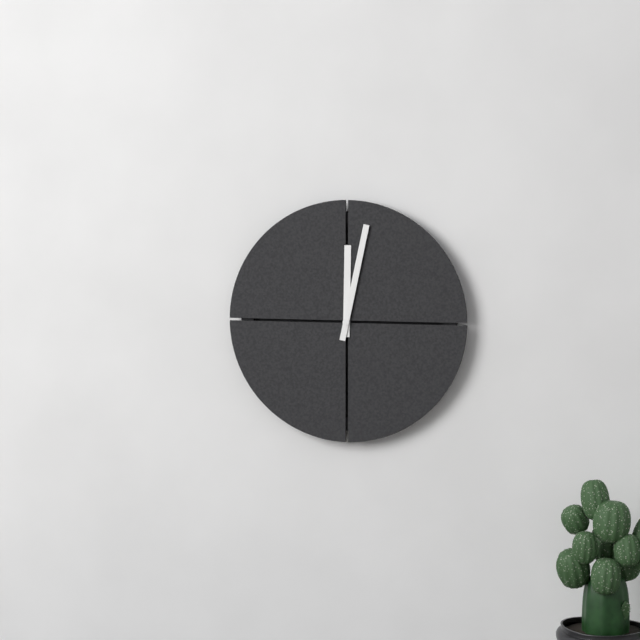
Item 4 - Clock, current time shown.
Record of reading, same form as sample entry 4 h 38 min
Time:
12 h 02 min
